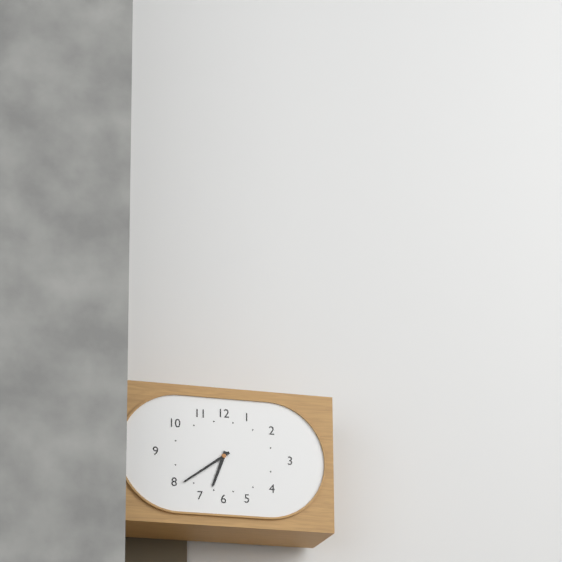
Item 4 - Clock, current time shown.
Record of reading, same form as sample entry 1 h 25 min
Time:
6 h 39 min
